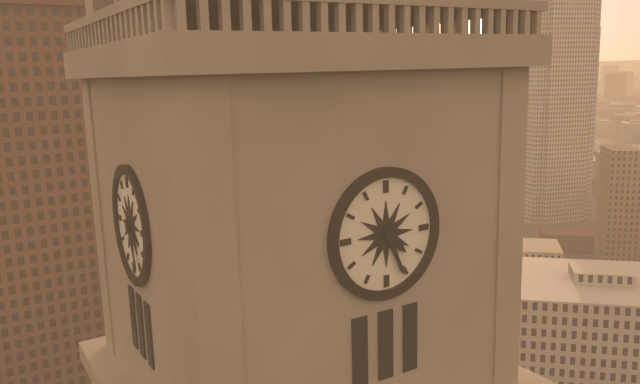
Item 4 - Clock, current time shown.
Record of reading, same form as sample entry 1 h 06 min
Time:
4 h 26 min
